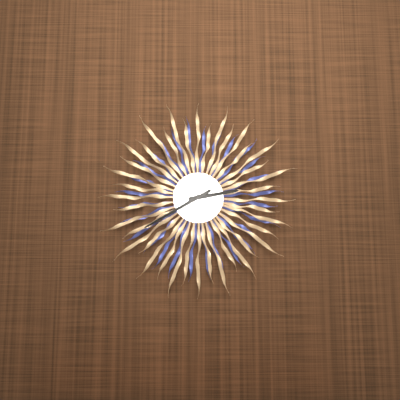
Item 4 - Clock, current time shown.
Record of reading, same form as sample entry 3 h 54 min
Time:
2 h 40 min
